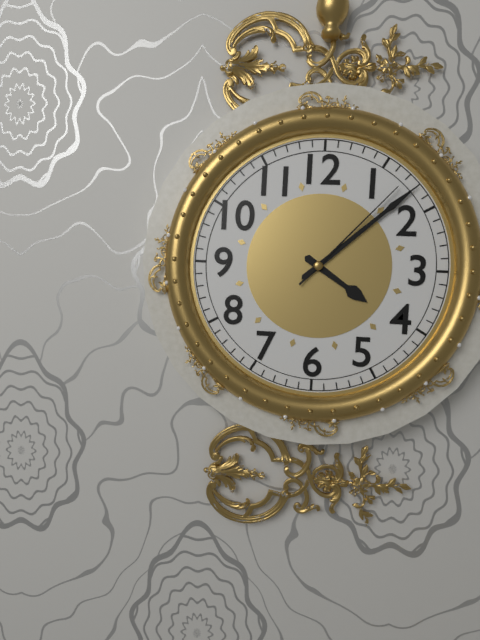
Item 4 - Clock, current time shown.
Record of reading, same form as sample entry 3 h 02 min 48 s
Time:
4 h 08 min 07 s
